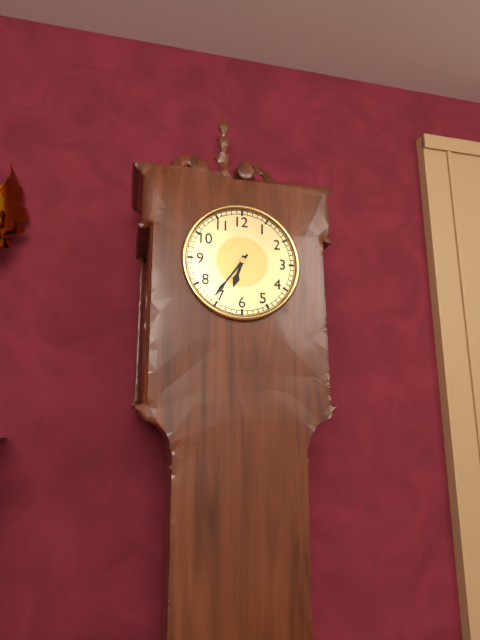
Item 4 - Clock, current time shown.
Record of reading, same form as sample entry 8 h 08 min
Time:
6 h 36 min
